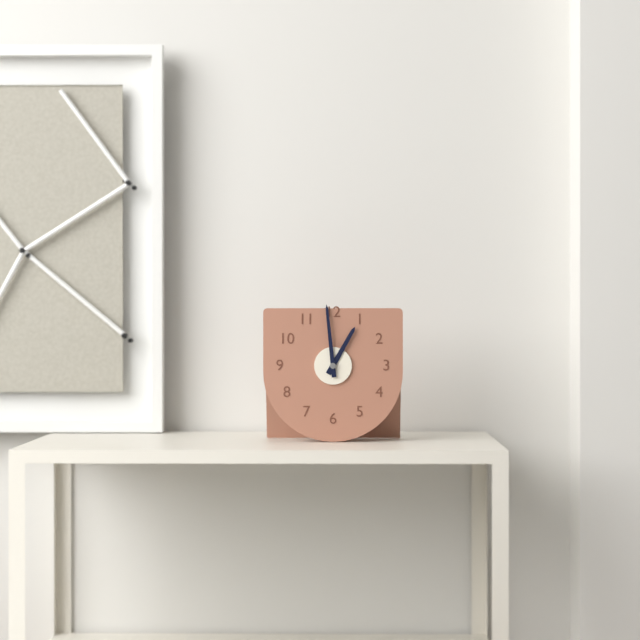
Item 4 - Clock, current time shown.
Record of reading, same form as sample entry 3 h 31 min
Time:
12 h 59 min
